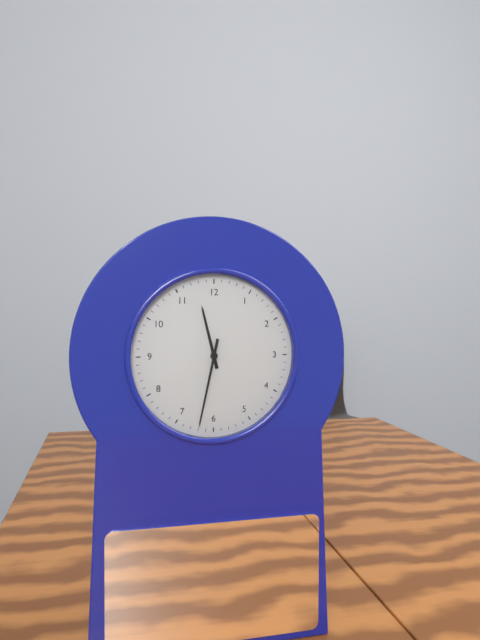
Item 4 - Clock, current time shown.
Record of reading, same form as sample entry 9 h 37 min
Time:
11 h 32 min
